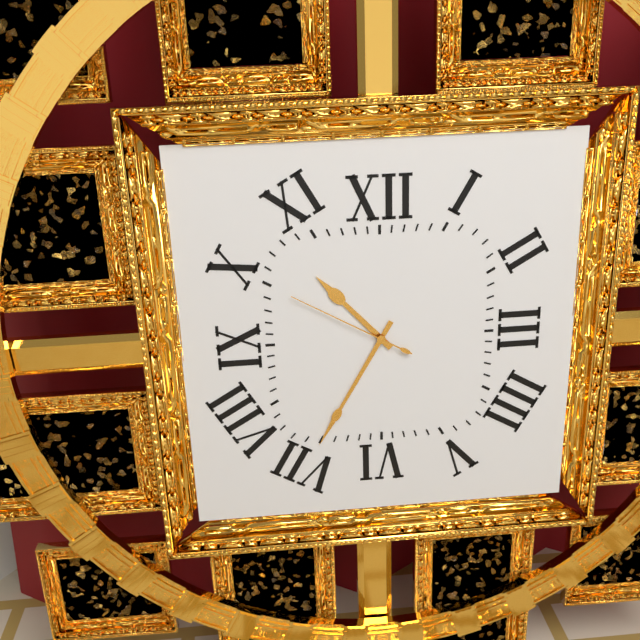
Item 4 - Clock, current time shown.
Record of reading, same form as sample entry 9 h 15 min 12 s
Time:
10 h 35 min 50 s
